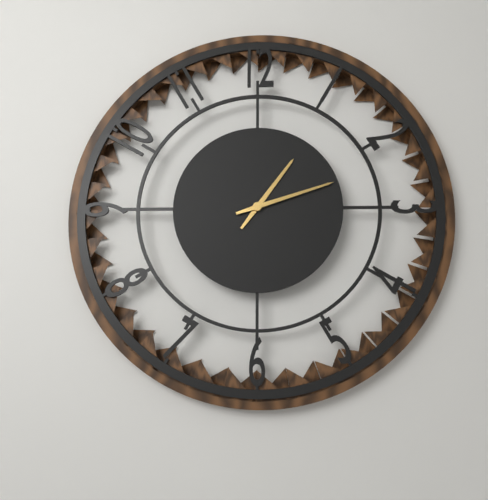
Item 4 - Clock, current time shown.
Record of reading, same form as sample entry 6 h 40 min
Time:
1 h 12 min
